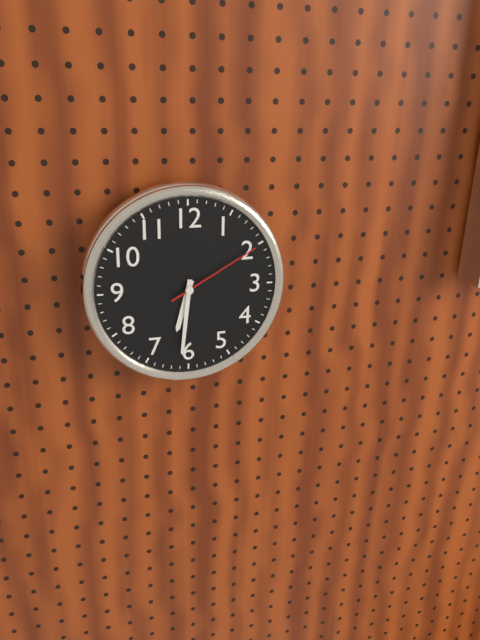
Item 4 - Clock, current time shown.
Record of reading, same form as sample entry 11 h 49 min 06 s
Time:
6 h 31 min 10 s
